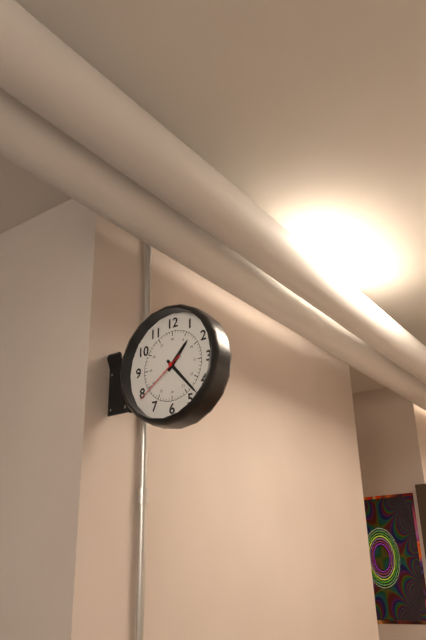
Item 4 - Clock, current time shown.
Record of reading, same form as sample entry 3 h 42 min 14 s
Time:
1 h 23 min 39 s
